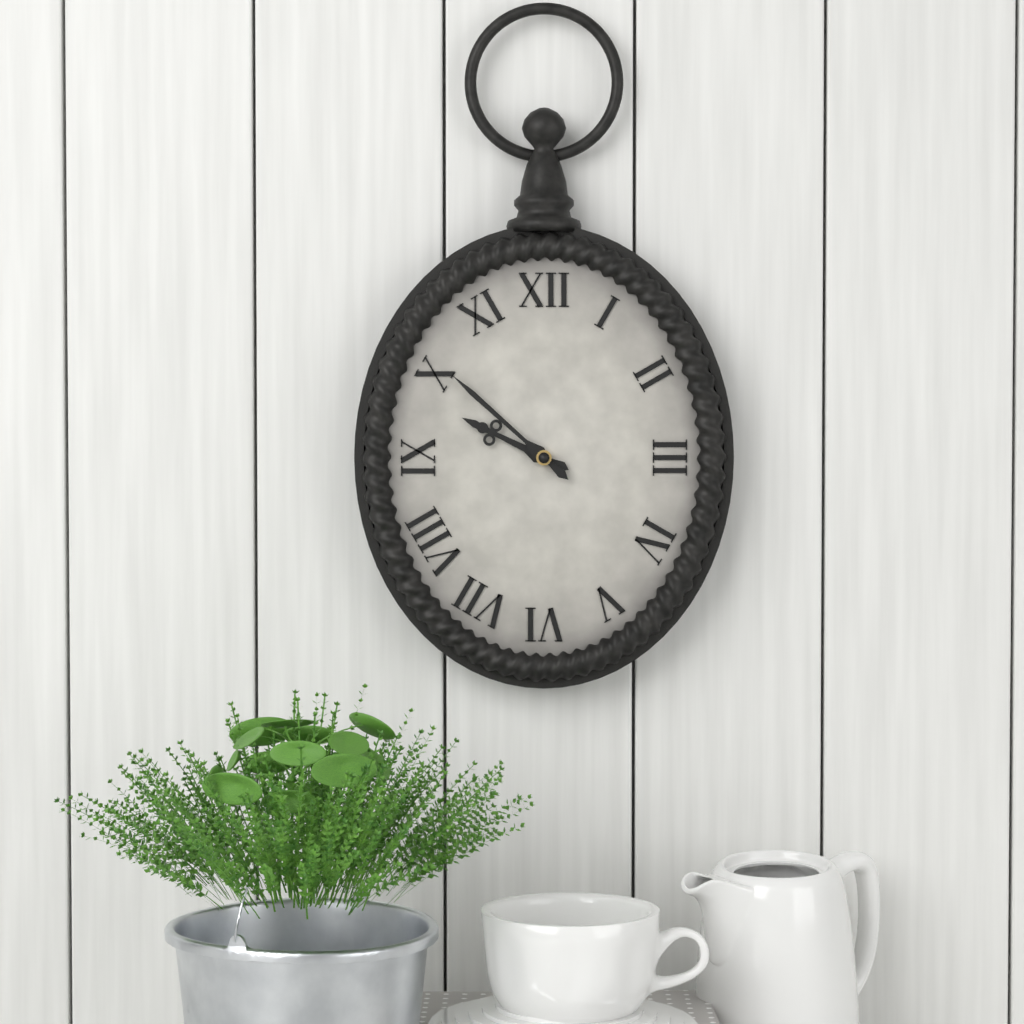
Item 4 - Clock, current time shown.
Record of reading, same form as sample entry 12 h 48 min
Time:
9 h 52 min
